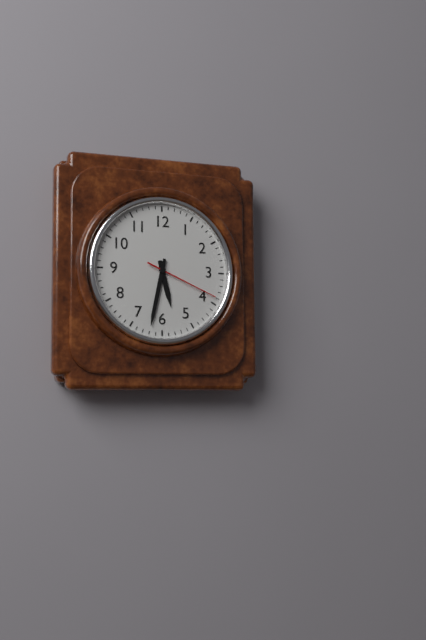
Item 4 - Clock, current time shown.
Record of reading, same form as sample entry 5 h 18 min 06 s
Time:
5 h 32 min 19 s
